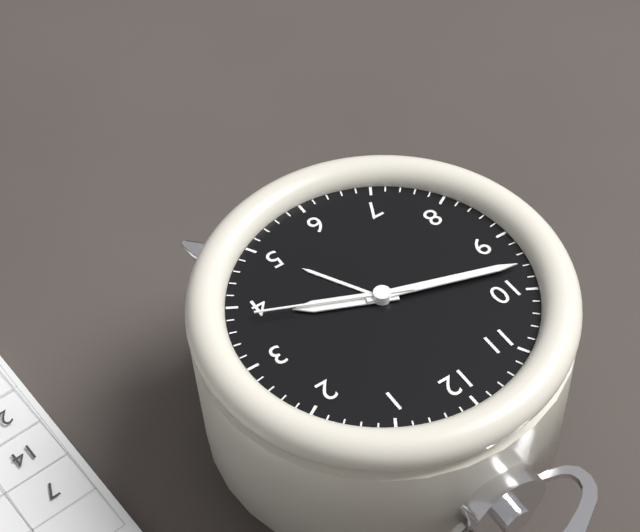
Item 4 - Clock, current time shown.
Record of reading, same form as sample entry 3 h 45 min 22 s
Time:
3 h 48 min 19 s
